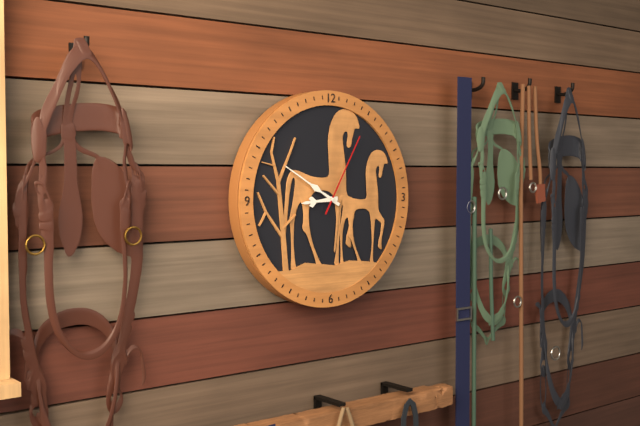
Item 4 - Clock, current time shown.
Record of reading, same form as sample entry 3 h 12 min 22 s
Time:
8 h 50 min 05 s
